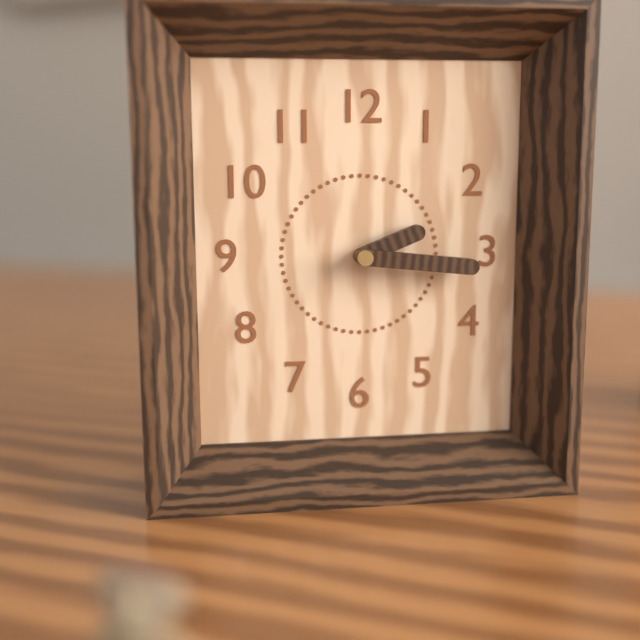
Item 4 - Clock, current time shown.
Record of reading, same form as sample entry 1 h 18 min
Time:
2 h 16 min
